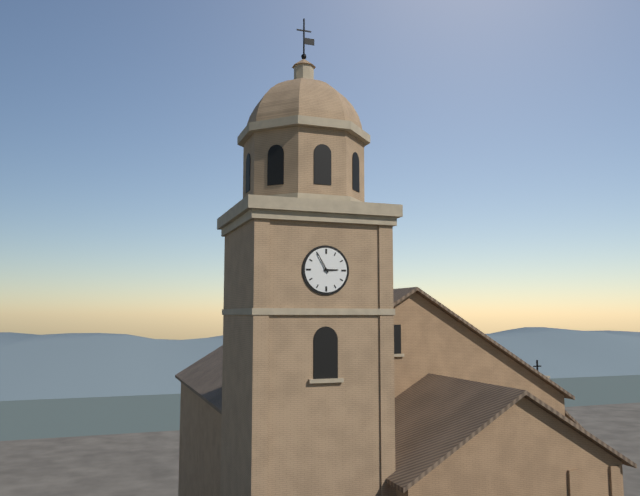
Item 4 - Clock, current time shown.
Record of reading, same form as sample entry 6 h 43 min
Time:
2 h 55 min
